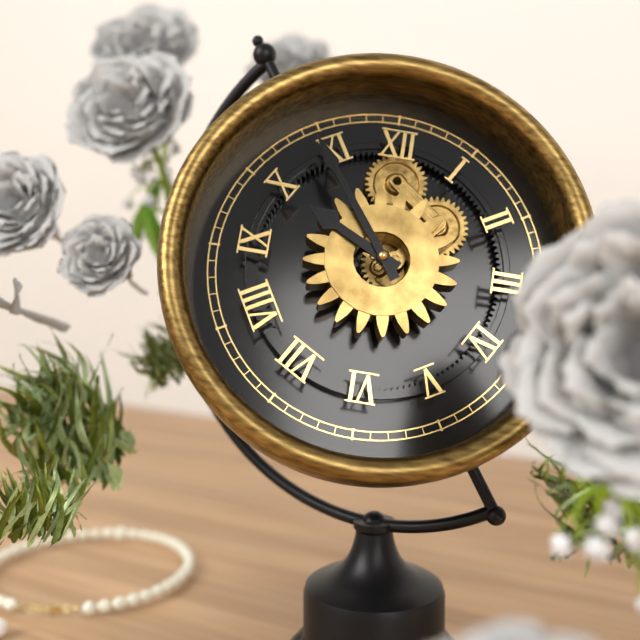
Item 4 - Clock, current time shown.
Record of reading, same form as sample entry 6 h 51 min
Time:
9 h 54 min
